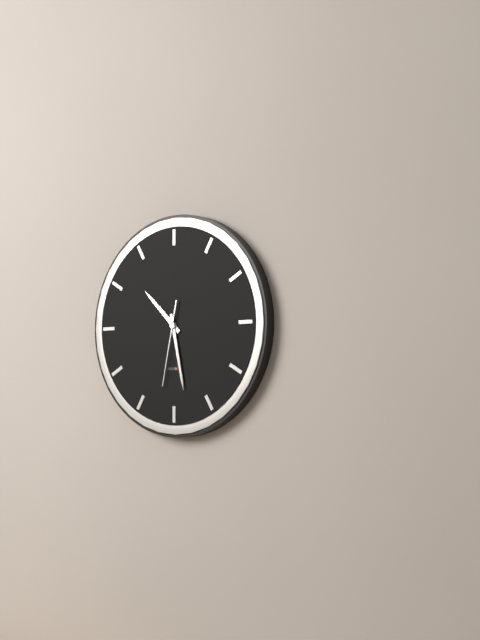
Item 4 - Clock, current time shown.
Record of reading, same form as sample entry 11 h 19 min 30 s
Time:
10 h 28 min 32 s
